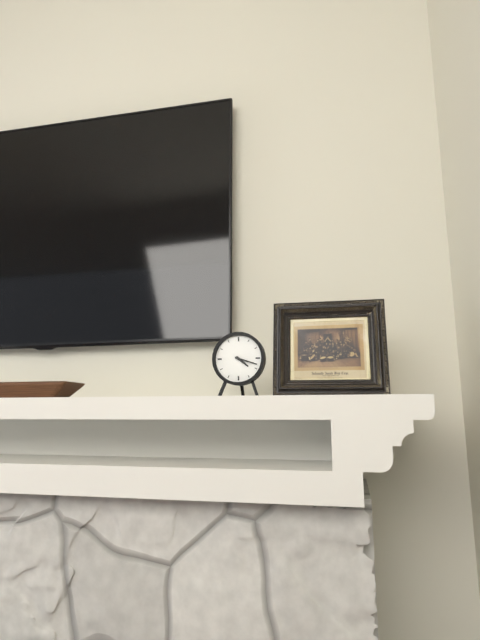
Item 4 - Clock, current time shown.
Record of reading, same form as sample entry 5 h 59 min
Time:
4 h 18 min
